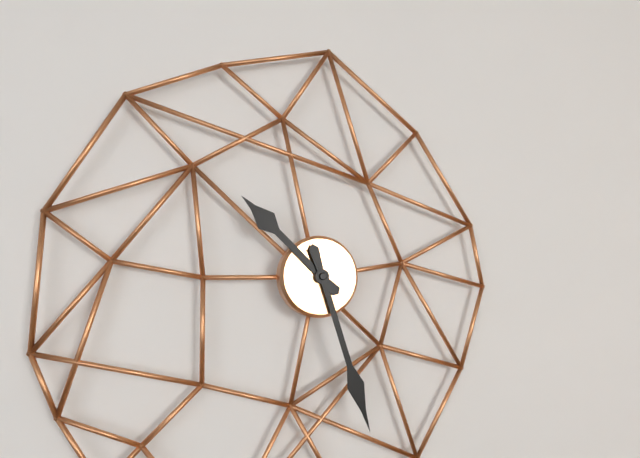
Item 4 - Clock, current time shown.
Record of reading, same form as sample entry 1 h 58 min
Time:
10 h 27 min
